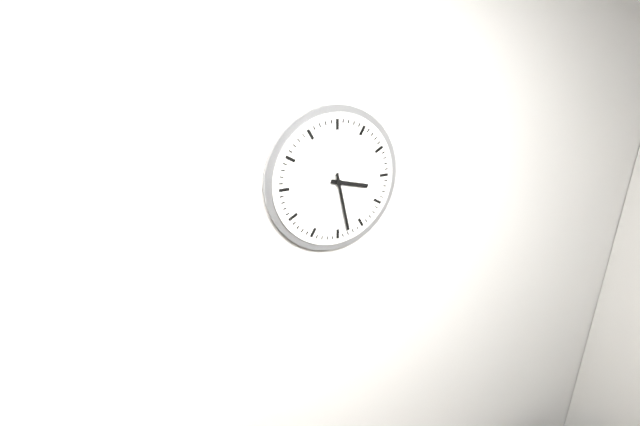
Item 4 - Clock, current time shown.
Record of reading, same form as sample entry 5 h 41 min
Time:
3 h 28 min
